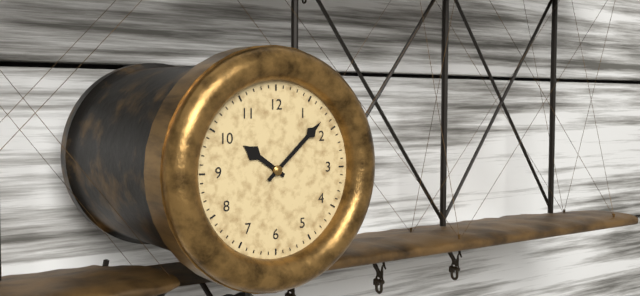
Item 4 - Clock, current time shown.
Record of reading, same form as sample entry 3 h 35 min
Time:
10 h 08 min
